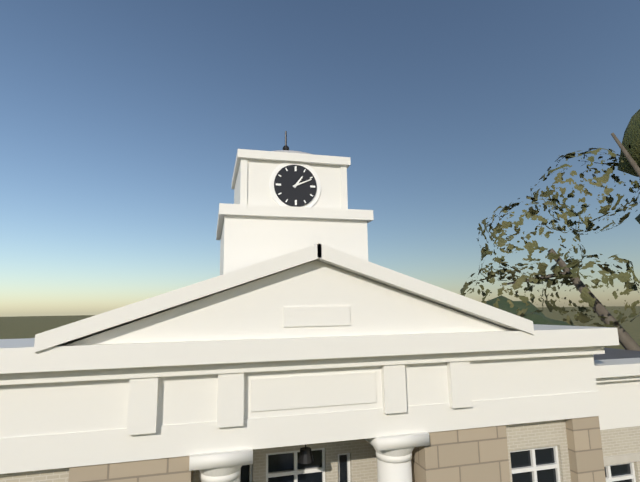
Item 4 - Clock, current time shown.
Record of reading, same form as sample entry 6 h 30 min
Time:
1 h 11 min
